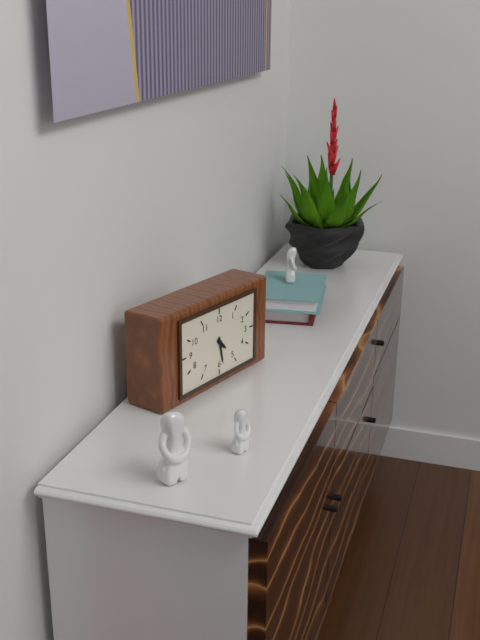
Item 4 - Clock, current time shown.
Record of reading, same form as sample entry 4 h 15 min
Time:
4 h 28 min
